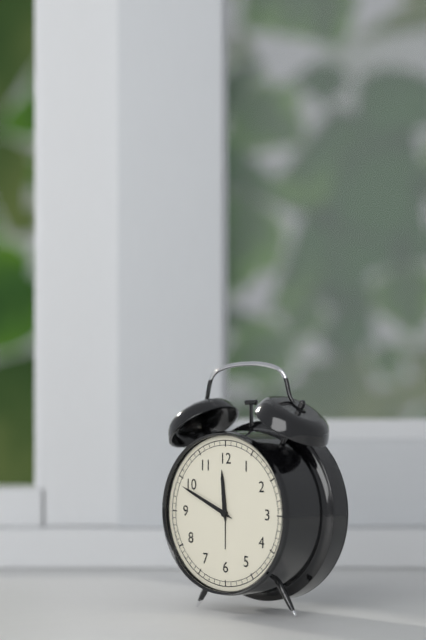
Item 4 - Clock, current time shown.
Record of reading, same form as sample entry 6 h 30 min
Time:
11 h 49 min
